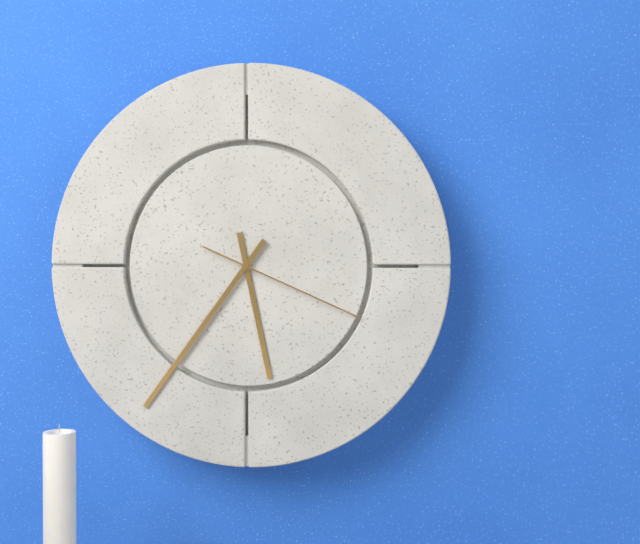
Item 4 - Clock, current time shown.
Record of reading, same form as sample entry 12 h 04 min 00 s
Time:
5 h 36 min 19 s
